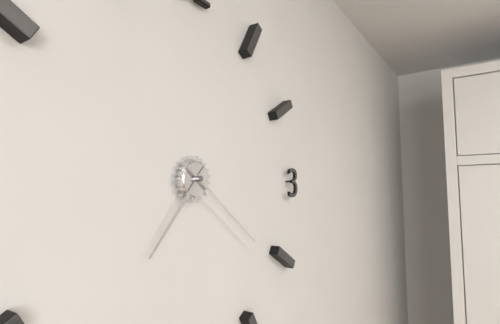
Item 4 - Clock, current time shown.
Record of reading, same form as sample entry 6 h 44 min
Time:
7 h 21 min
